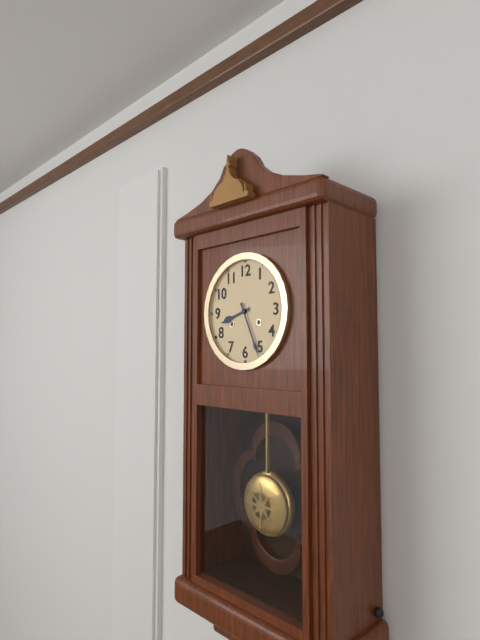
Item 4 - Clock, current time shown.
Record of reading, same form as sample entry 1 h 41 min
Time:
8 h 26 min
